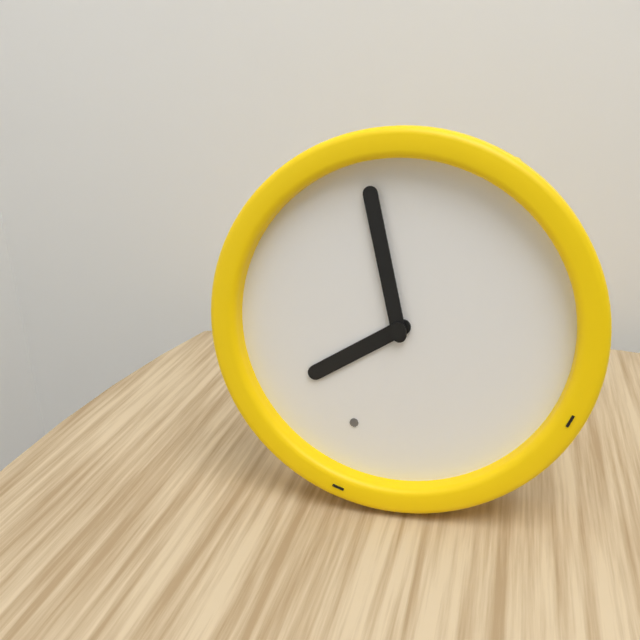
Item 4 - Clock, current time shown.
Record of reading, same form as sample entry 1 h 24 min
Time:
7 h 58 min
